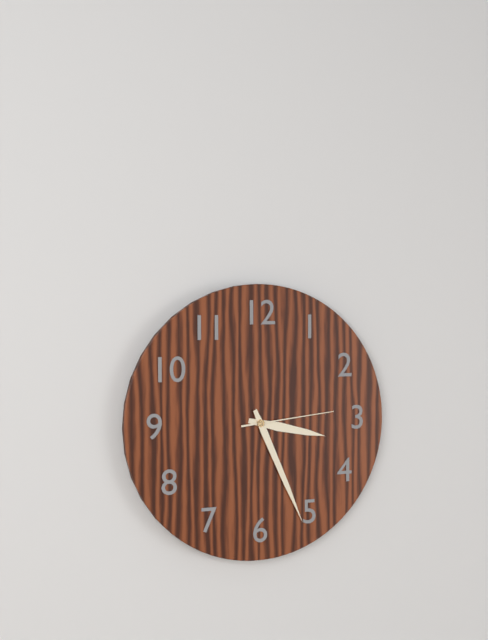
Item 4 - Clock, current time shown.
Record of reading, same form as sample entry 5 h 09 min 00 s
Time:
3 h 26 min 14 s
